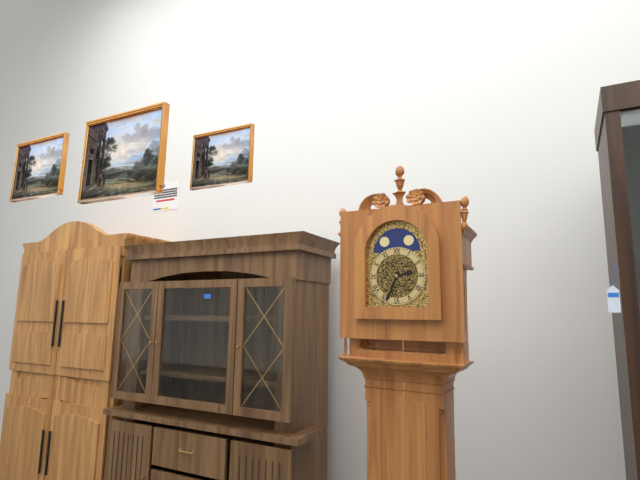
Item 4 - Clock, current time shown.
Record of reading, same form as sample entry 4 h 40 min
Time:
2 h 34 min
